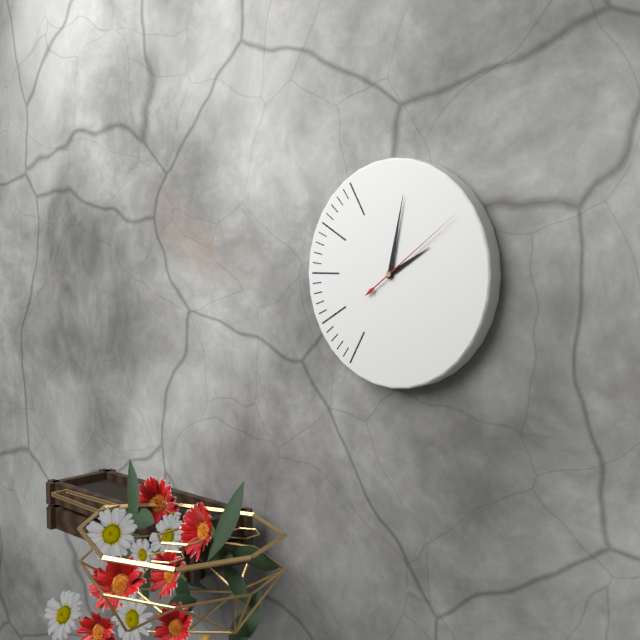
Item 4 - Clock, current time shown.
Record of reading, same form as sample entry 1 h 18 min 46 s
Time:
2 h 02 min 09 s
